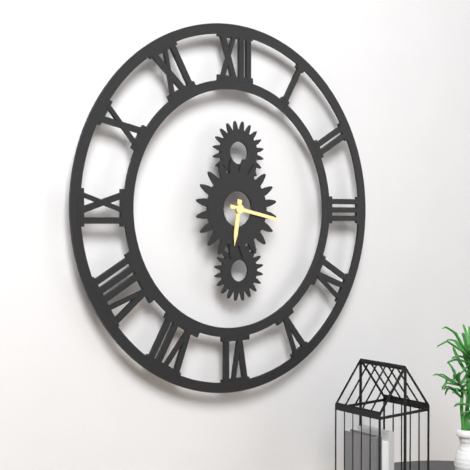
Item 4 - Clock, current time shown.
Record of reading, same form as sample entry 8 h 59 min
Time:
6 h 17 min
